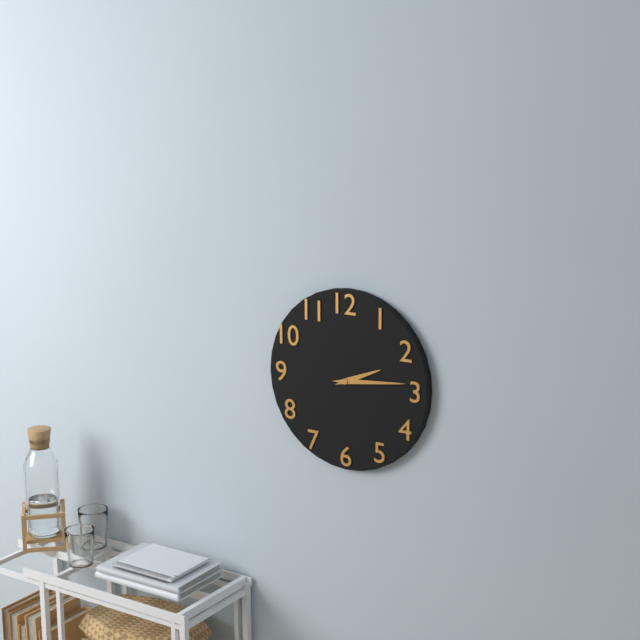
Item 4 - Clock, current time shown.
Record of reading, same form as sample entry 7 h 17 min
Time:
2 h 14 min
